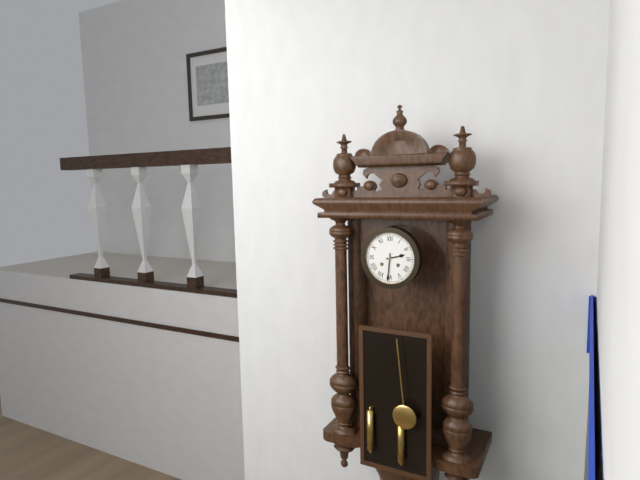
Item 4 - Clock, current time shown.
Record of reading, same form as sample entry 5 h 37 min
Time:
2 h 31 min
